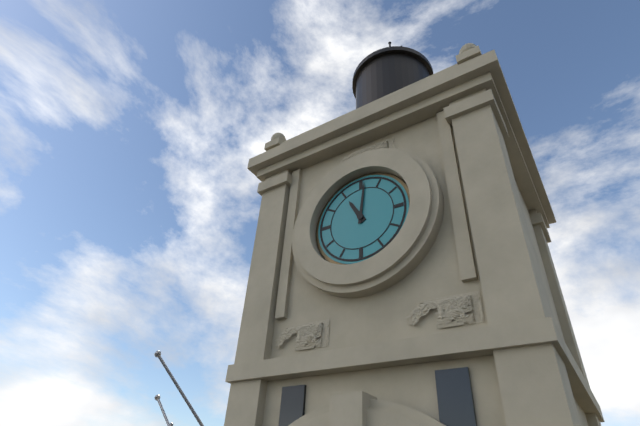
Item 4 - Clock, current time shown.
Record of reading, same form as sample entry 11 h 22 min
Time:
11 h 01 min
